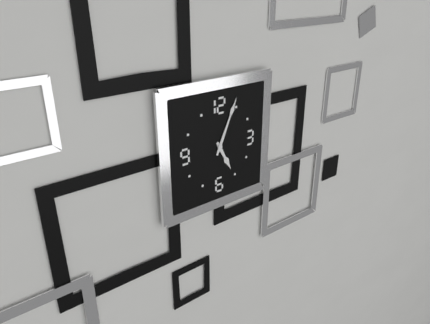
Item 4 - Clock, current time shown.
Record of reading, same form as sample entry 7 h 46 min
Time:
5 h 04 min
